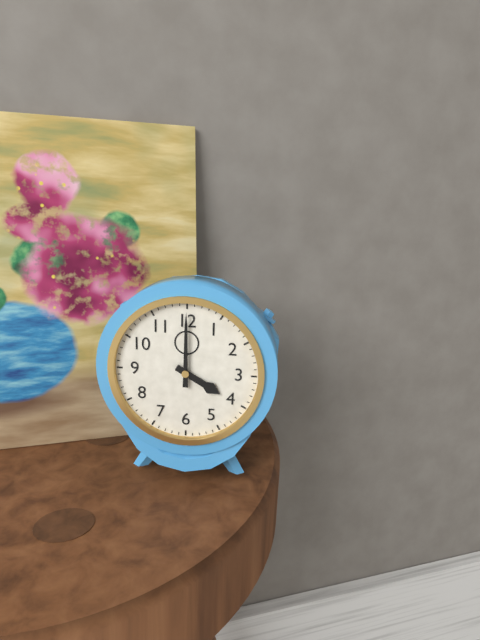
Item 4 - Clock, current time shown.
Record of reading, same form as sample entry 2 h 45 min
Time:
4 h 00 min
